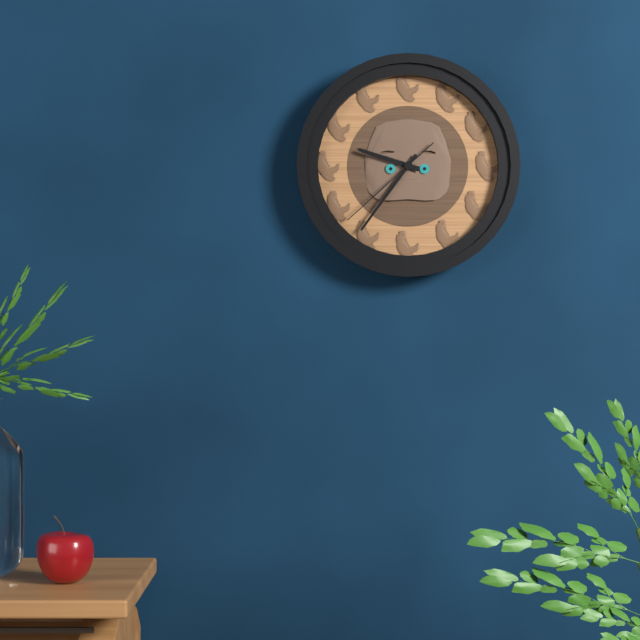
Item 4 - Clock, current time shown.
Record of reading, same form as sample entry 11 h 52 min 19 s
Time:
9 h 36 min 38 s
